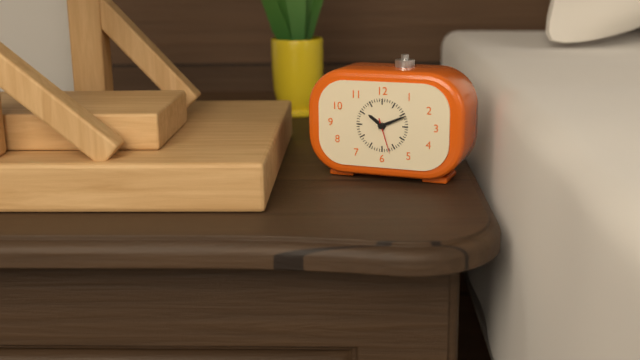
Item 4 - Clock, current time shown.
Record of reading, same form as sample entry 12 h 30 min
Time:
10 h 11 min
